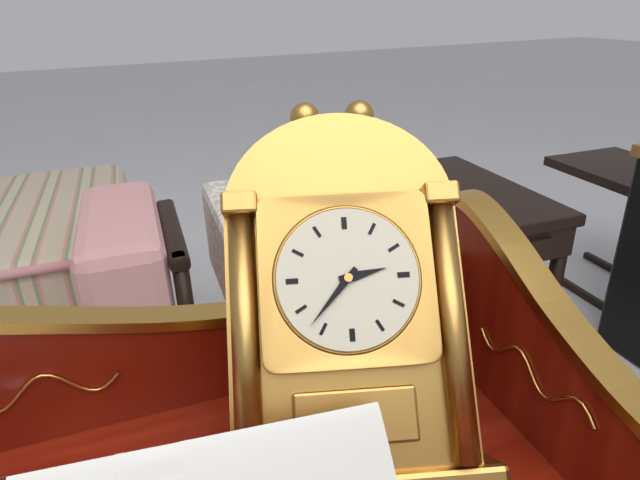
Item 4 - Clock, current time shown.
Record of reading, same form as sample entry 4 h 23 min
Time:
2 h 37 min
